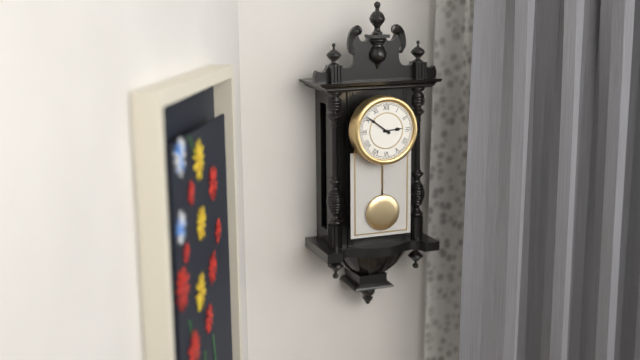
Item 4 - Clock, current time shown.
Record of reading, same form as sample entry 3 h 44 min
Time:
2 h 51 min
